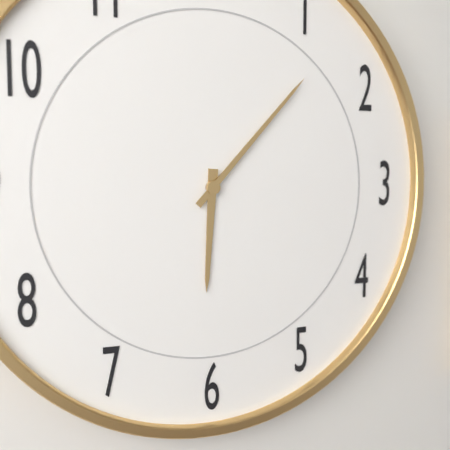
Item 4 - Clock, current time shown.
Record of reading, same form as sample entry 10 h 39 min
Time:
6 h 07 min
